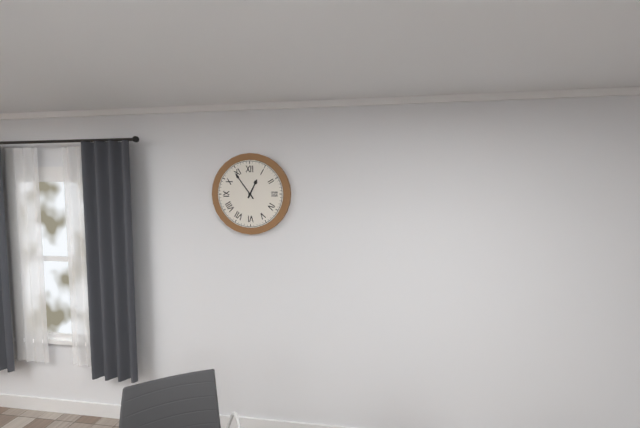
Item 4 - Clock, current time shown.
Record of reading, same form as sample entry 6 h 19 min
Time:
12 h 54 min
